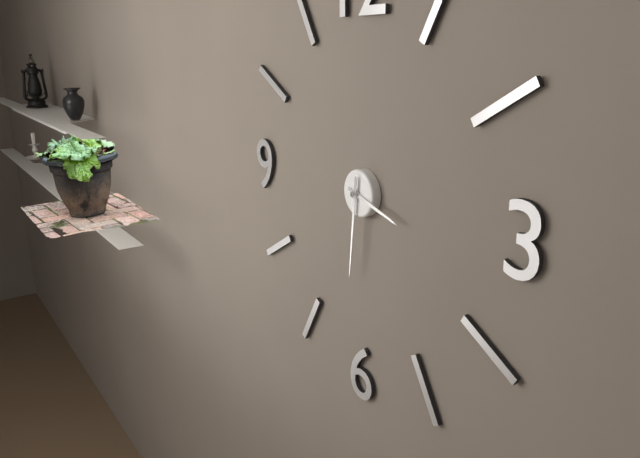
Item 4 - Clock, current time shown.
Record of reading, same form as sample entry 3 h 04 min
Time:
3 h 31 min
